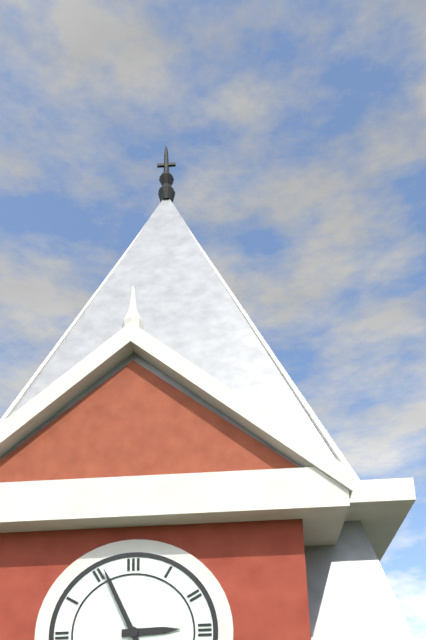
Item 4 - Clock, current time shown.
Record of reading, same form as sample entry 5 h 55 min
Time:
2 h 56 min
